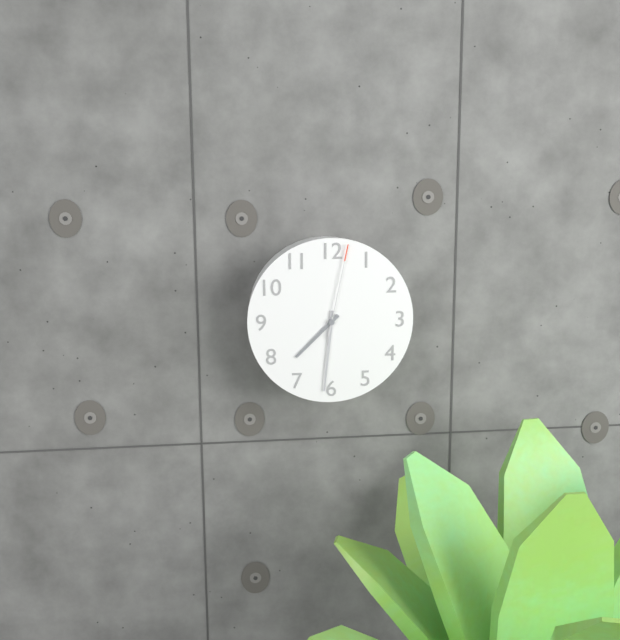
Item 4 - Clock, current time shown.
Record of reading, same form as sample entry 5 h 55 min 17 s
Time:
7 h 31 min 02 s
